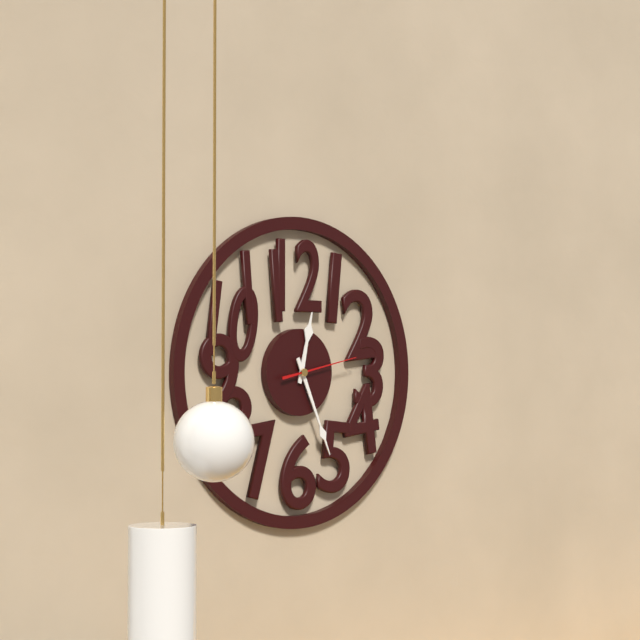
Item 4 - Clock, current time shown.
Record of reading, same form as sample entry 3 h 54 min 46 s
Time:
12 h 26 min 13 s
